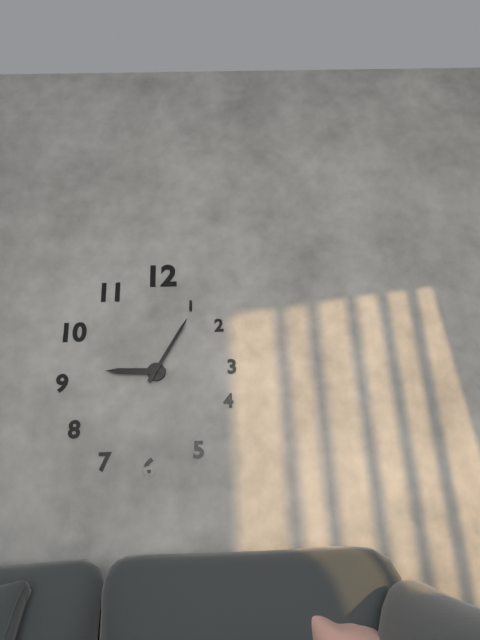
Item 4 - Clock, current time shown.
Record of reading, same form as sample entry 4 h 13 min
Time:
9 h 05 min
